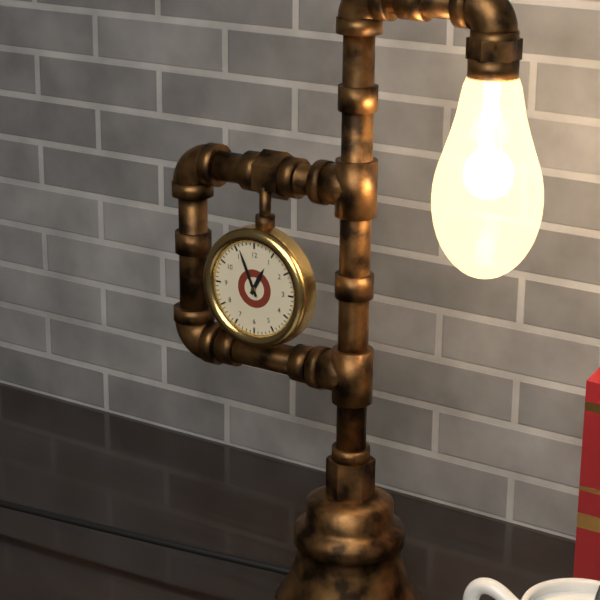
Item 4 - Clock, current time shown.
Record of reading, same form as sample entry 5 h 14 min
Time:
12 h 56 min
